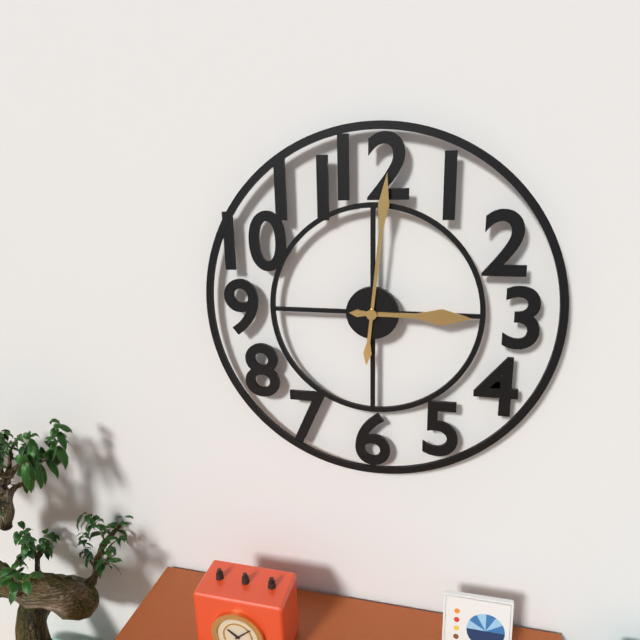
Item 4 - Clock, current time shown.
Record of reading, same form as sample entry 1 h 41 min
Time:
3 h 01 min
